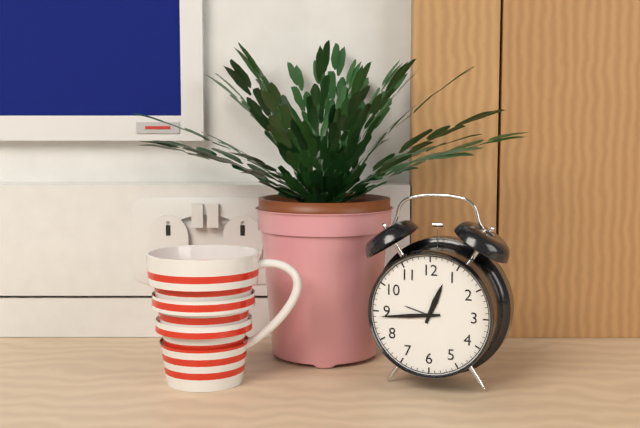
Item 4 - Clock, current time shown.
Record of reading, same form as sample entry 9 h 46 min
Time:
12 h 44 min
